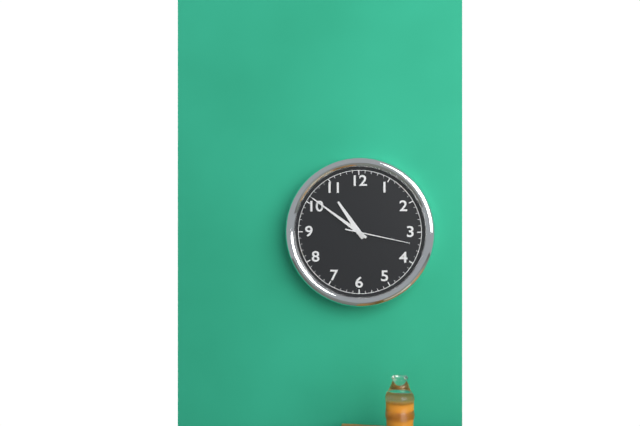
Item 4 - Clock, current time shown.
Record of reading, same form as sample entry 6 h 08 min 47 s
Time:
10 h 51 min 17 s
